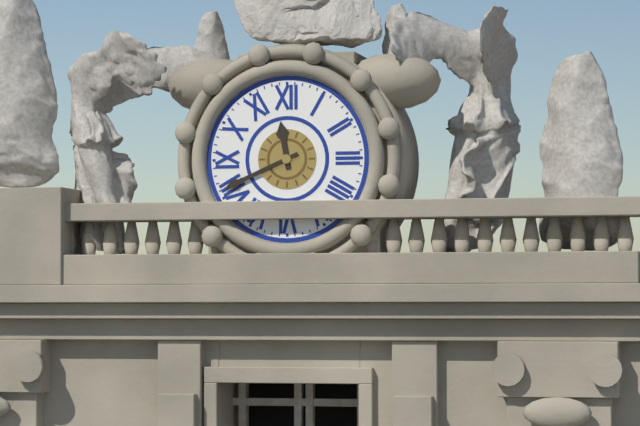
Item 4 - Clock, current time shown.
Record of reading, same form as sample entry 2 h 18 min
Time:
11 h 41 min
